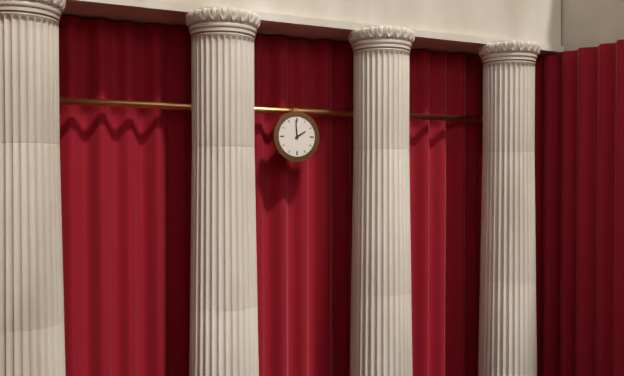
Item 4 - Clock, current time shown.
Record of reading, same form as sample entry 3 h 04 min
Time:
1 h 59 min
